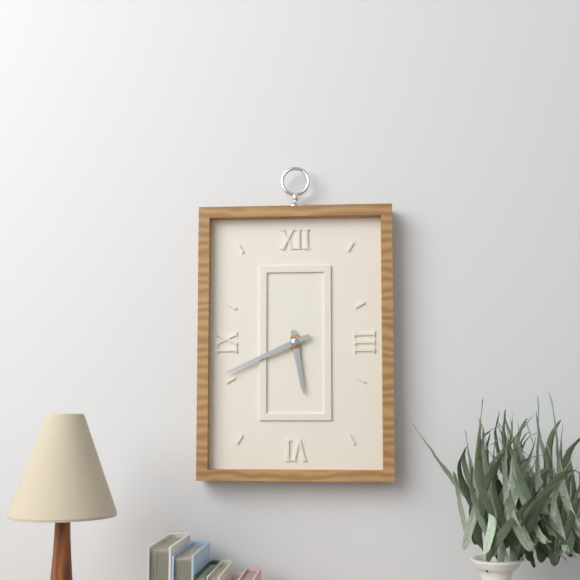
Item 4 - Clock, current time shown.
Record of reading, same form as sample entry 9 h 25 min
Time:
5 h 41 min
